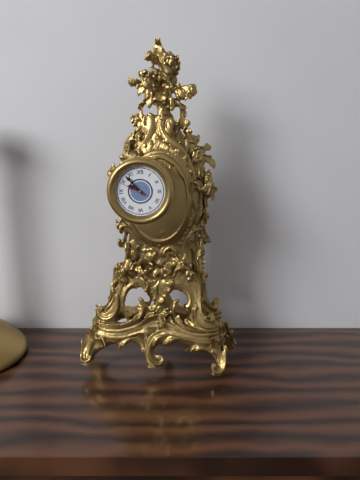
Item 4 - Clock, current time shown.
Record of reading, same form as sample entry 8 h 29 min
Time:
9 h 53 min
